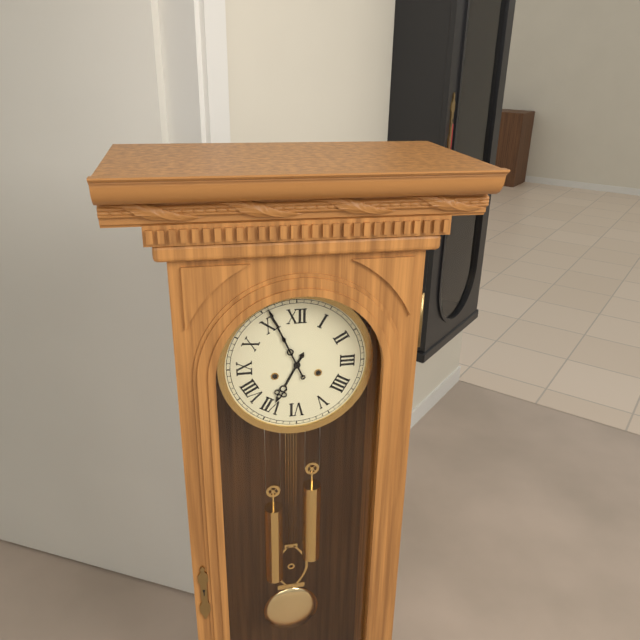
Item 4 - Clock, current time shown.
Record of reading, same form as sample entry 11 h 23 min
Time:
6 h 56 min
